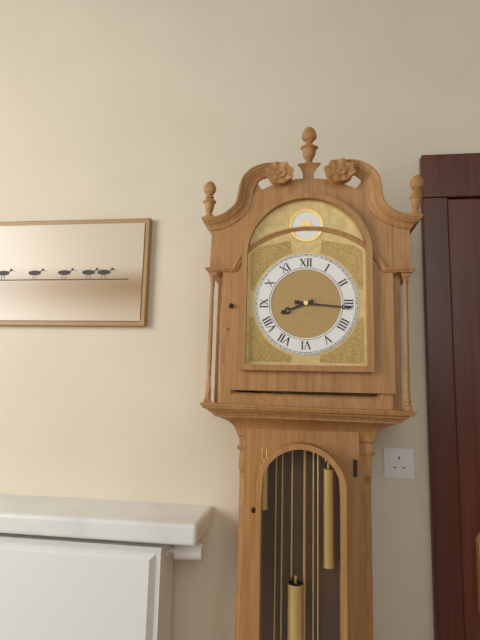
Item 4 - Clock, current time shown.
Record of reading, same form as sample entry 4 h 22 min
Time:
8 h 16 min
